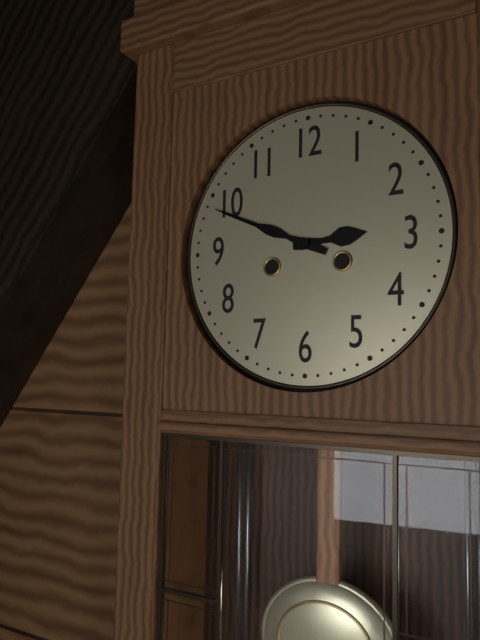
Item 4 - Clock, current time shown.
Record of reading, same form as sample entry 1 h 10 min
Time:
2 h 49 min
